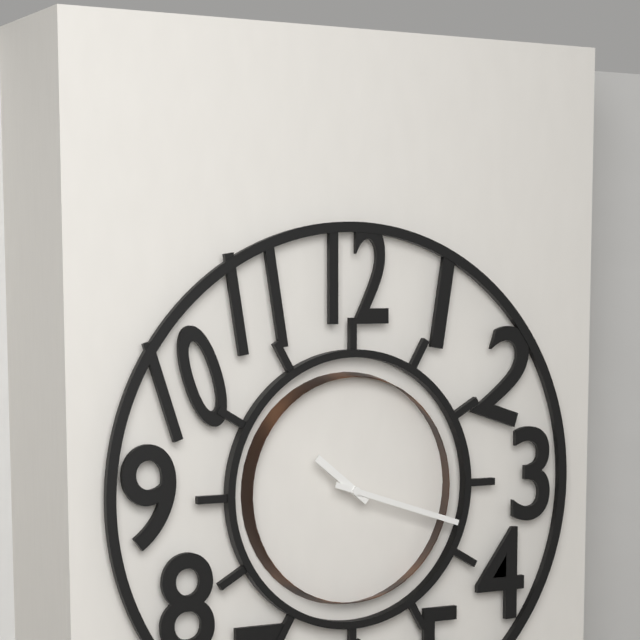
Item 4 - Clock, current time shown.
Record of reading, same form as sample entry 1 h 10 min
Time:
10 h 18 min
